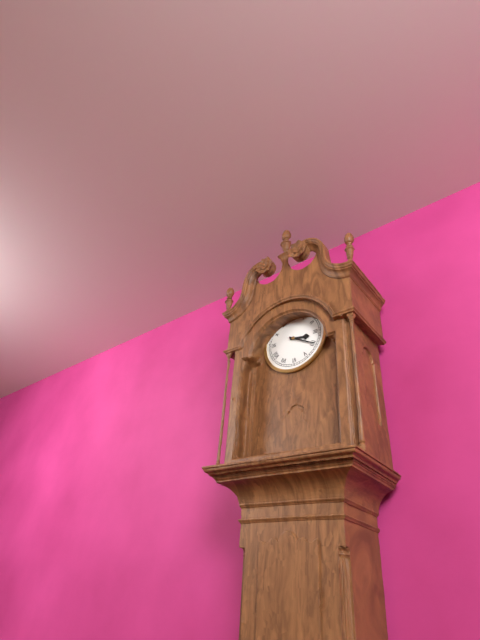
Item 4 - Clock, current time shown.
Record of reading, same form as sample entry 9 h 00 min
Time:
3 h 20 min
